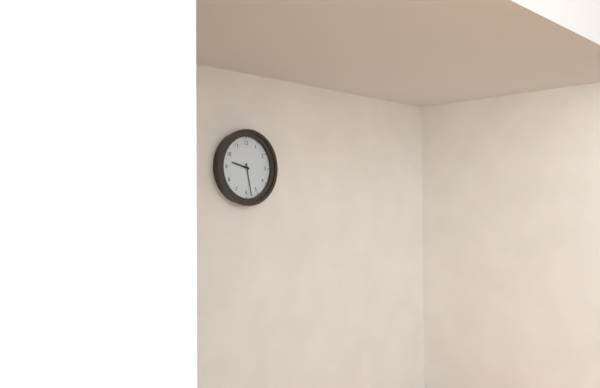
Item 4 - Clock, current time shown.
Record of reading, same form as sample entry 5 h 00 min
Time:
9 h 28 min
